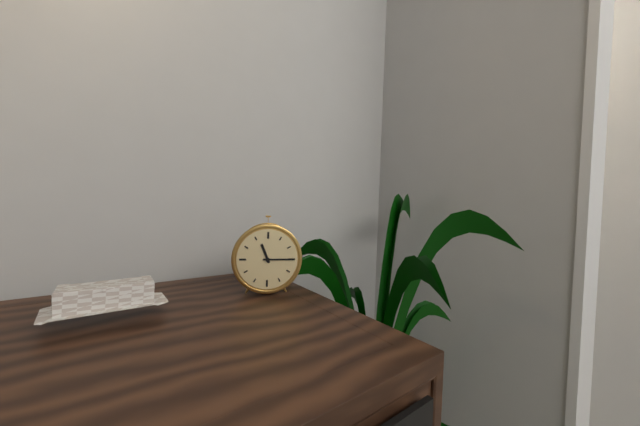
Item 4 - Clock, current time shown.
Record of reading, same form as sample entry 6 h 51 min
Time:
11 h 15 min
